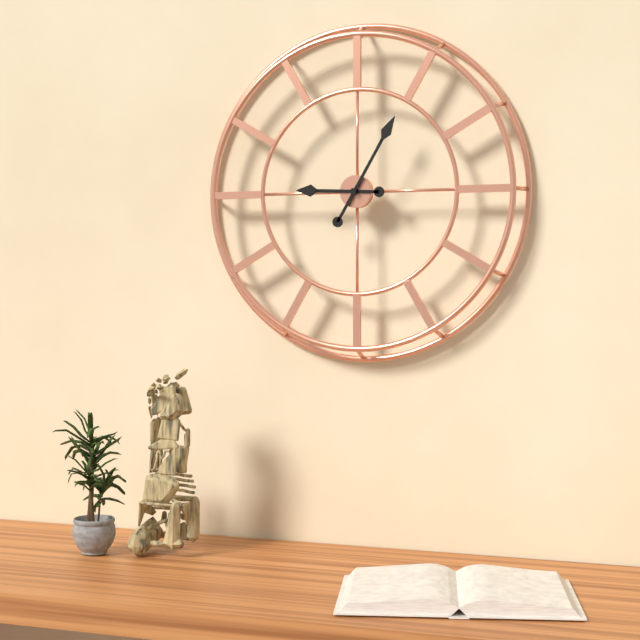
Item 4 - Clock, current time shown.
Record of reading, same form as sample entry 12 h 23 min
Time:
9 h 05 min
